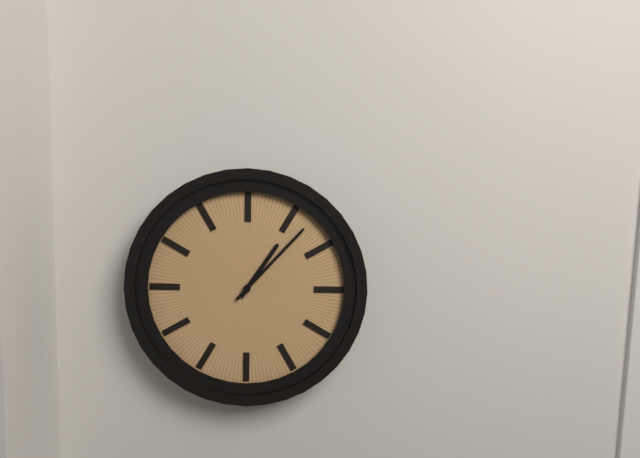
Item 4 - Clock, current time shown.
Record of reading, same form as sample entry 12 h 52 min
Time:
1 h 07 min
